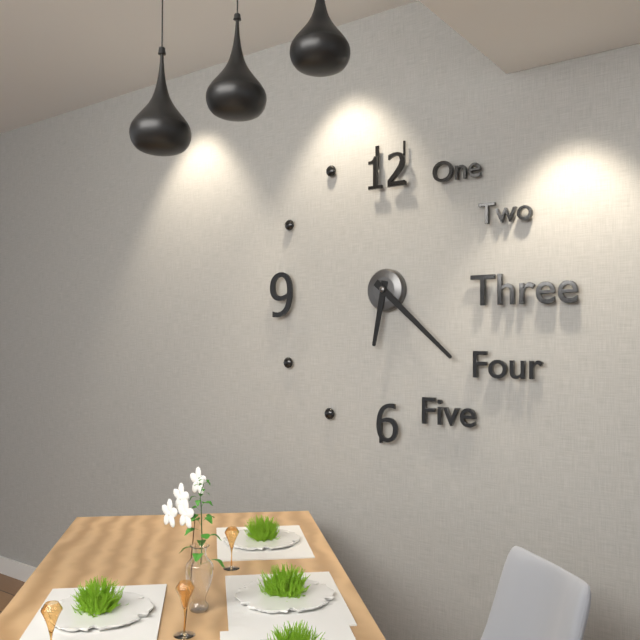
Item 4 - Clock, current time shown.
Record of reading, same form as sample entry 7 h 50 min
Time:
6 h 22 min
